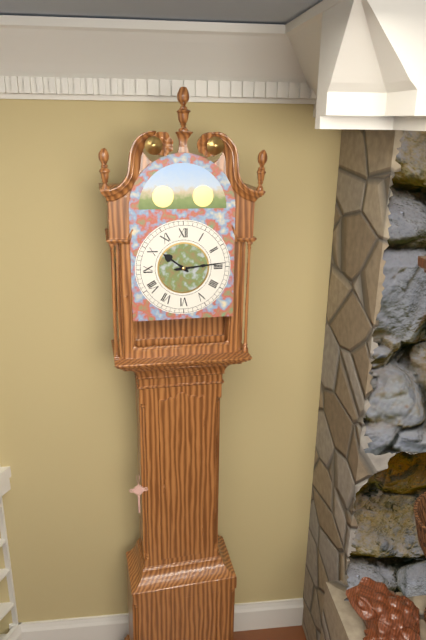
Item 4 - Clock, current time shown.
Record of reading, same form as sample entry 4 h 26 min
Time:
10 h 14 min
